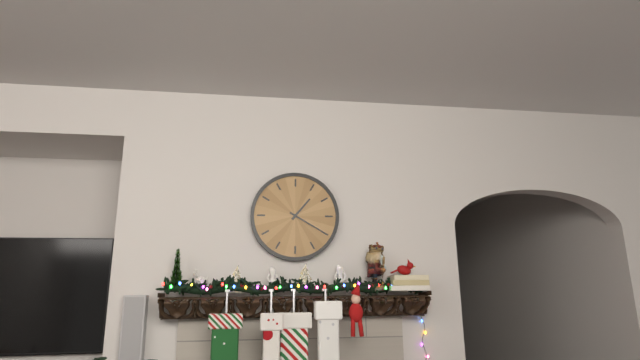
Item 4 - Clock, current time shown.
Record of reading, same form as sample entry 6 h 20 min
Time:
1 h 20 min
